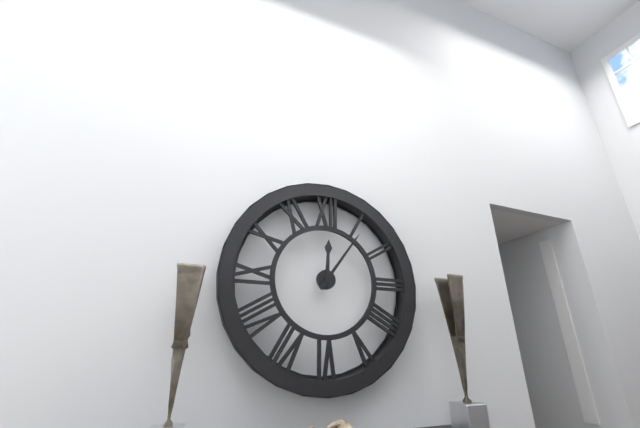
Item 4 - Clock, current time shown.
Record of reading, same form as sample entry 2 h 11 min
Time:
12 h 06 min
